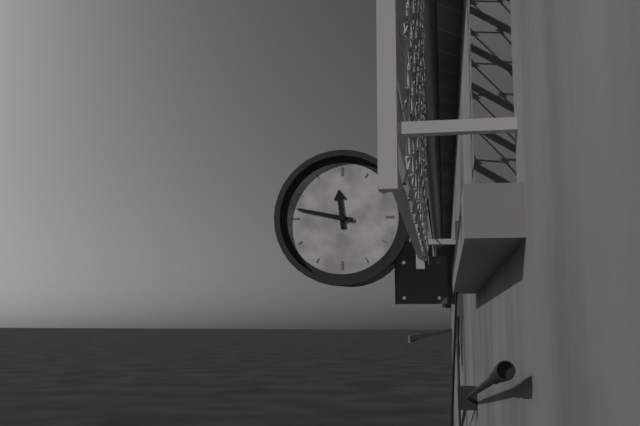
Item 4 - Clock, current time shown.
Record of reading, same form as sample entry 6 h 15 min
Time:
11 h 47 min
